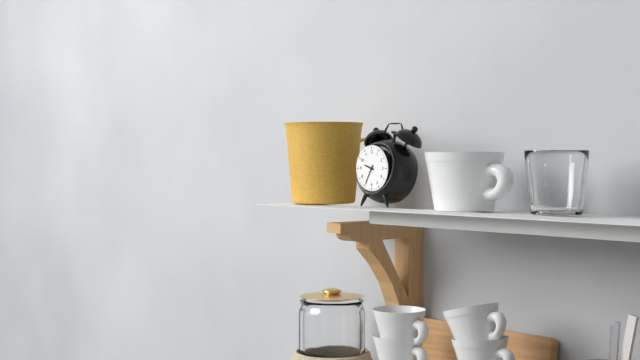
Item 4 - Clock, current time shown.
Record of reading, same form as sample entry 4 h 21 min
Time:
9 h 35 min
